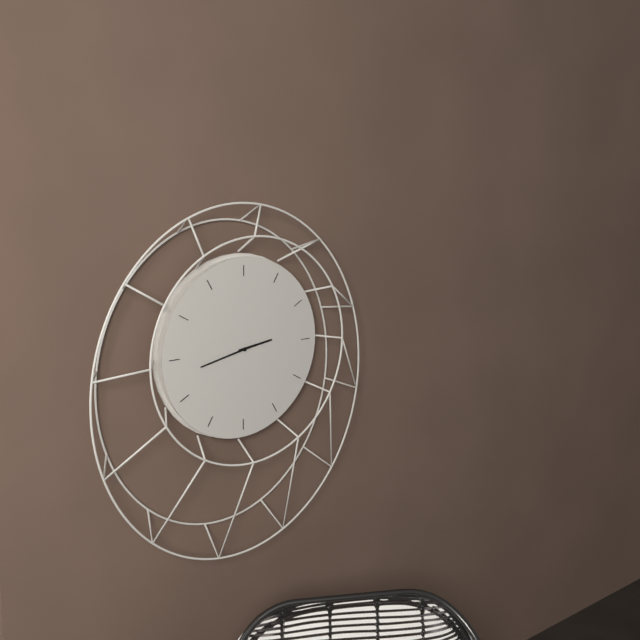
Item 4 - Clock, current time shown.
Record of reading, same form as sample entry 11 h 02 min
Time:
2 h 43 min
